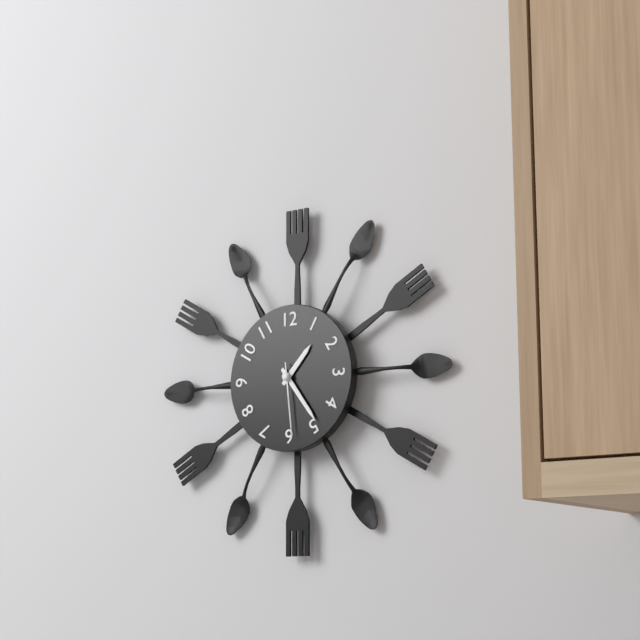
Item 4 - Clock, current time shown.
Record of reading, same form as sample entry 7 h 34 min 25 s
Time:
1 h 24 min 29 s
